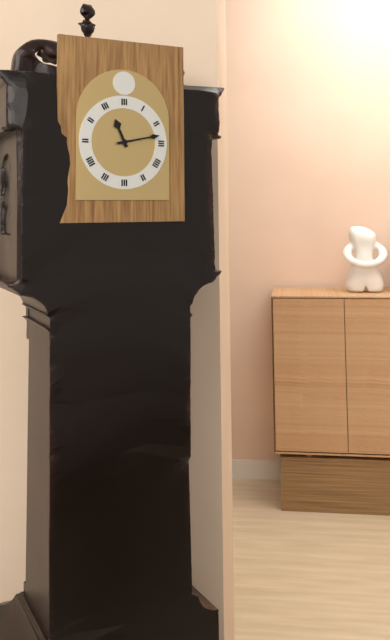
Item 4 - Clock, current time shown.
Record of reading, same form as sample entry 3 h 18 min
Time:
11 h 13 min
